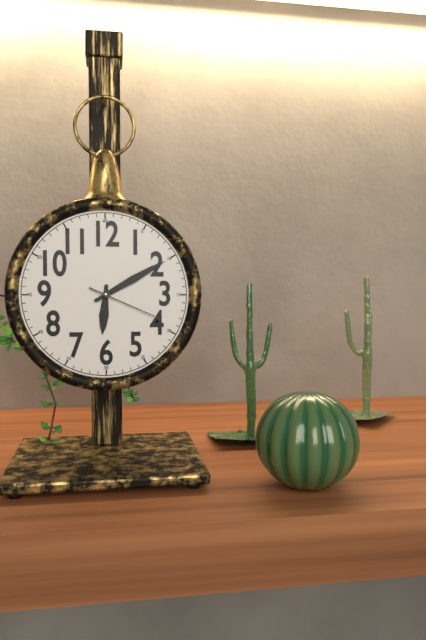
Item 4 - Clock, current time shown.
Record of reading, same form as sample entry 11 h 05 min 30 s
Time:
6 h 10 min 19 s
